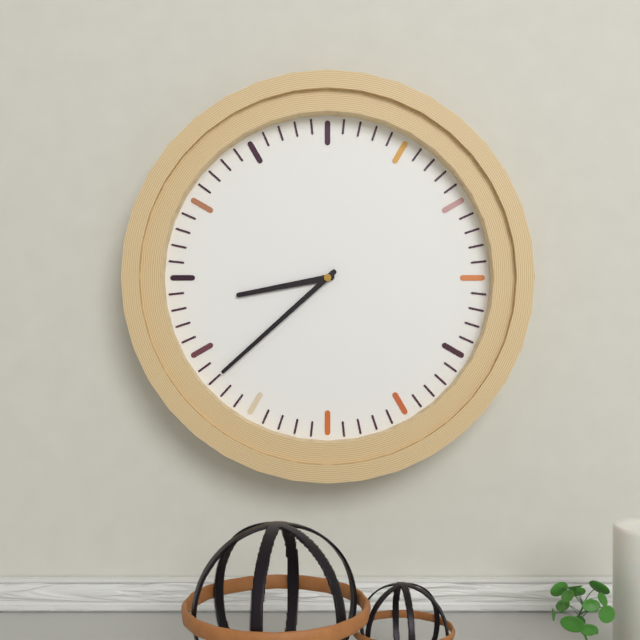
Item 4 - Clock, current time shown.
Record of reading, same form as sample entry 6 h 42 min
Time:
8 h 38 min
